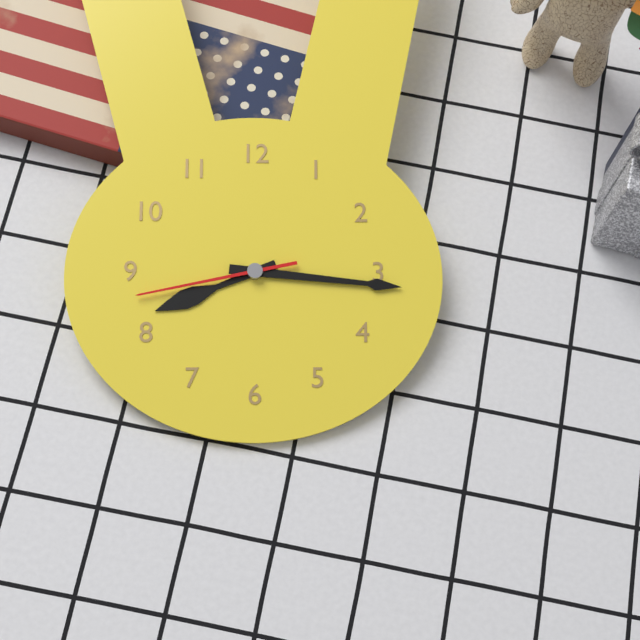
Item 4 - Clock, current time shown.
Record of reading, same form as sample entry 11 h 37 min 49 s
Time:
8 h 16 min 43 s
